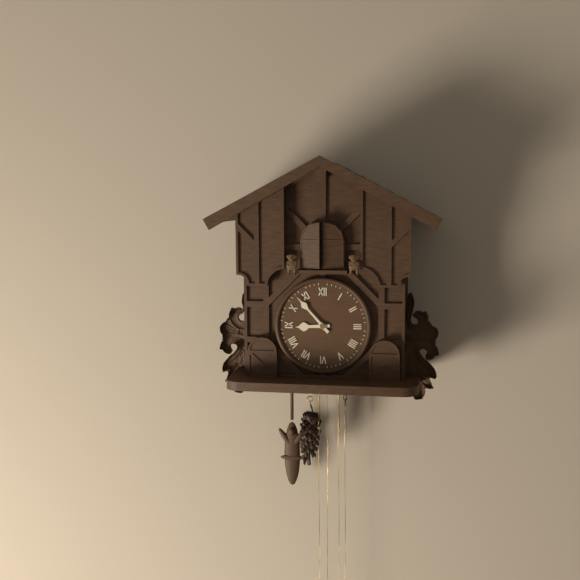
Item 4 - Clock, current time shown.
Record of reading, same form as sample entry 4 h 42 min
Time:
8 h 53 min
